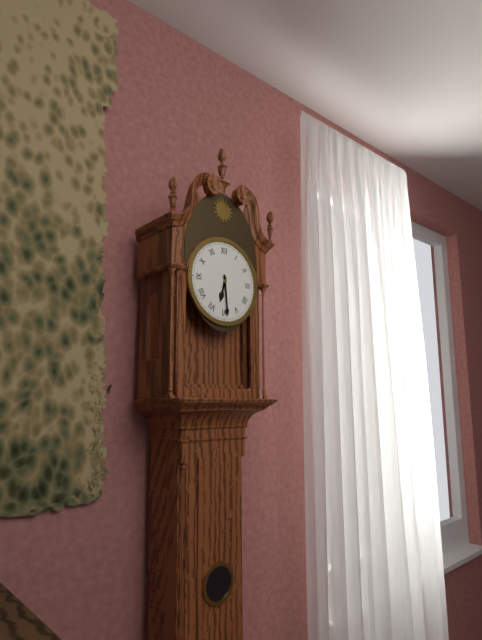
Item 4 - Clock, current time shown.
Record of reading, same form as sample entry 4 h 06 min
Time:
6 h 29 min
